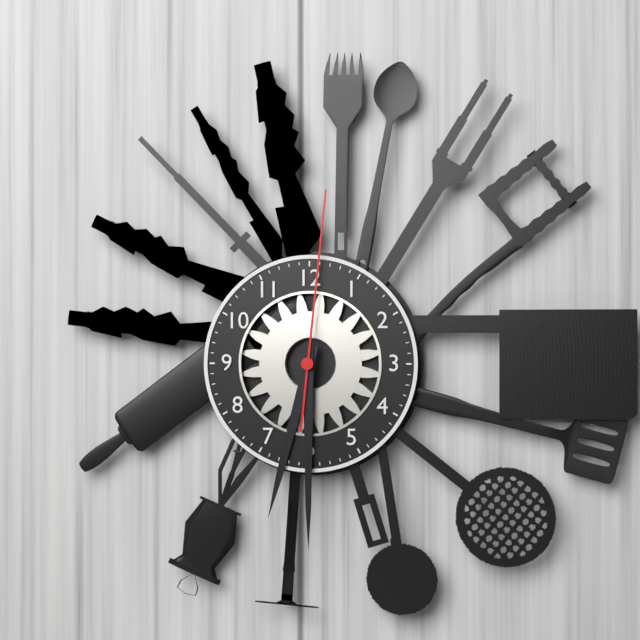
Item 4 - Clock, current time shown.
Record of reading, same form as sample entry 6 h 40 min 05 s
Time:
6 h 30 min 01 s
